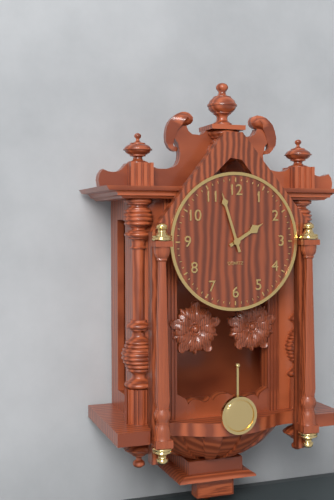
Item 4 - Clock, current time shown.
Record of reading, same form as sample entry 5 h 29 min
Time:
1 h 57 min
